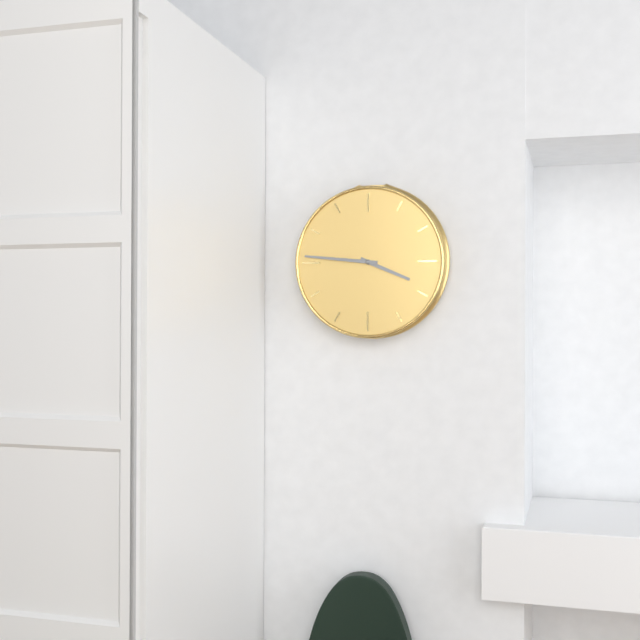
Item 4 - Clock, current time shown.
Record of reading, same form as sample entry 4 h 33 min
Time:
3 h 46 min
